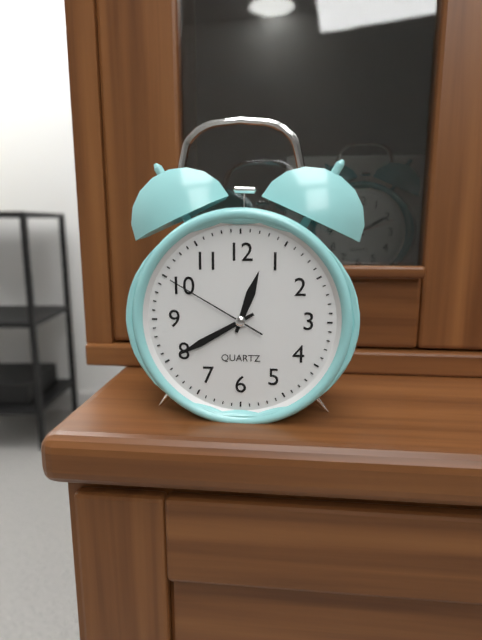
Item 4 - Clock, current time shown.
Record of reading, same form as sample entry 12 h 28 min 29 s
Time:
12 h 40 min 50 s
